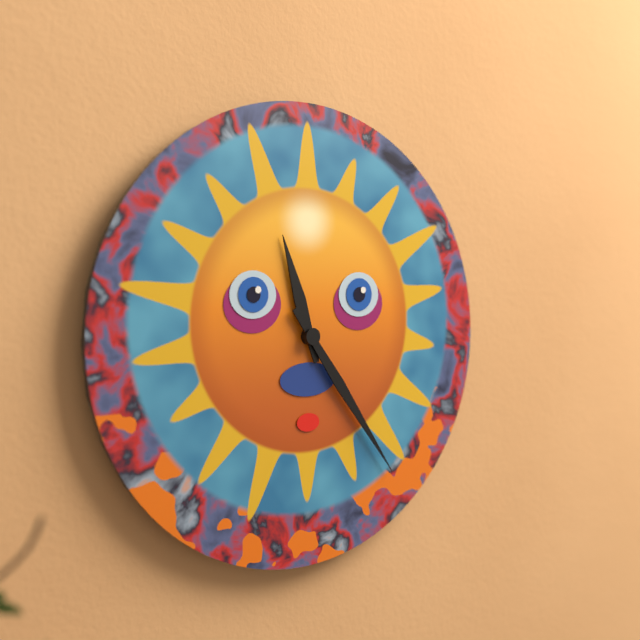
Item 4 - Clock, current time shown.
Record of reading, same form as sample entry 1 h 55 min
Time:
11 h 24 min
